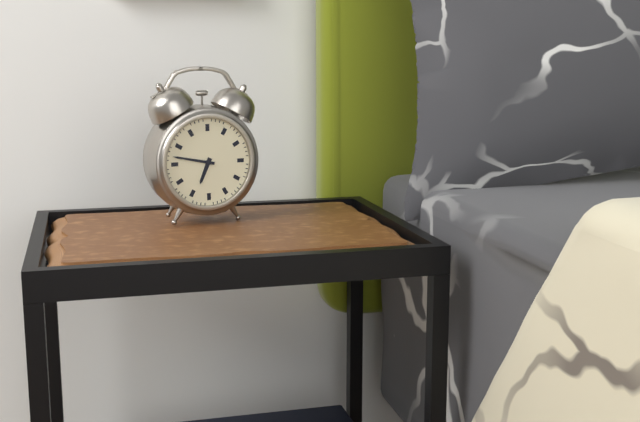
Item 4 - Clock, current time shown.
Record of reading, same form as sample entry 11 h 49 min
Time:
6 h 47 min
